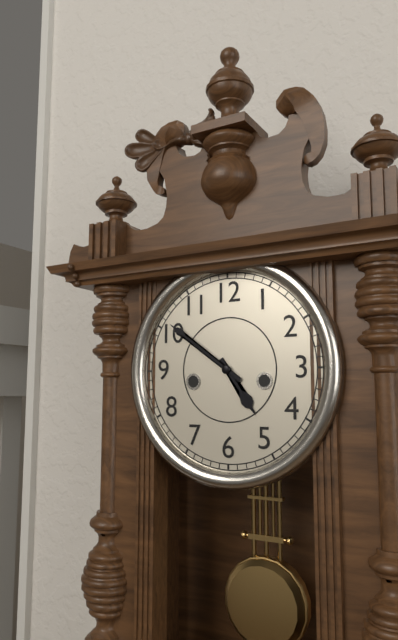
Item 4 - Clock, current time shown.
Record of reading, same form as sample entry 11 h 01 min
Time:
4 h 51 min
